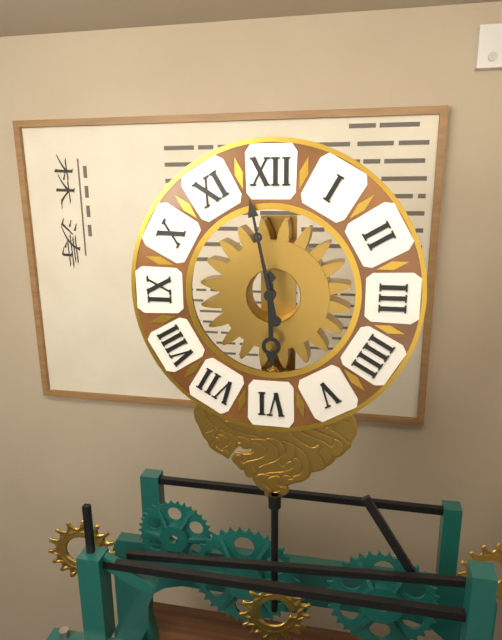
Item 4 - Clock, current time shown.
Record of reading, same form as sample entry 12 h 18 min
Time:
5 h 58 min
